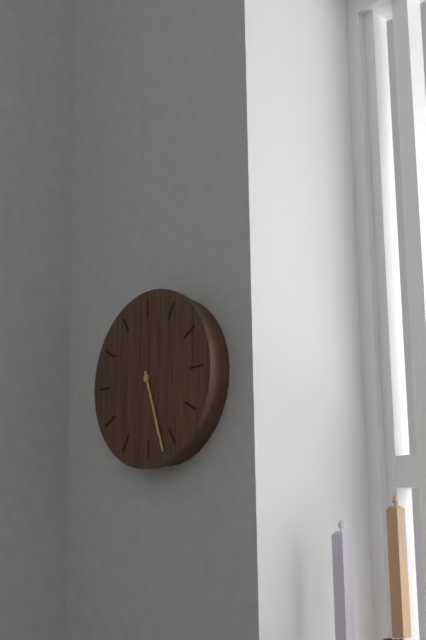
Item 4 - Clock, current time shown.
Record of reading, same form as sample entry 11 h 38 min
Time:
5 h 27 min
